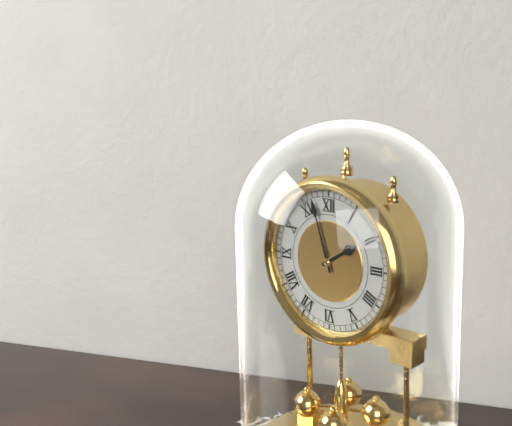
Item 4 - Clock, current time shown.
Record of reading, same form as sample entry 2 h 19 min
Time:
1 h 57 min
